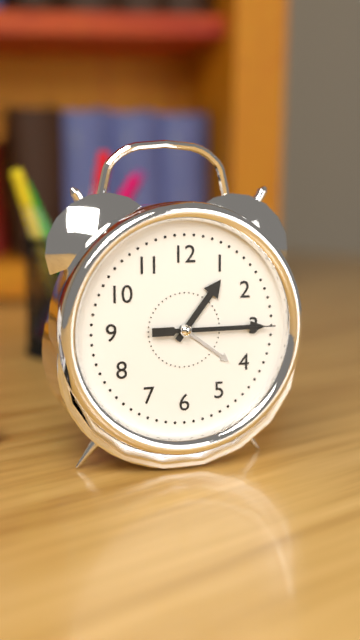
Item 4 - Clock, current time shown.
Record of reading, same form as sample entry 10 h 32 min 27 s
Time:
1 h 15 min 15 s
